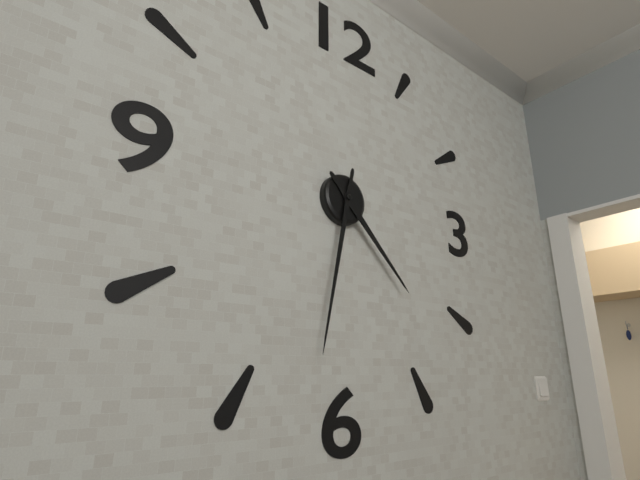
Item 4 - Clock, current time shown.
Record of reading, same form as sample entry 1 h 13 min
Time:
4 h 32 min
